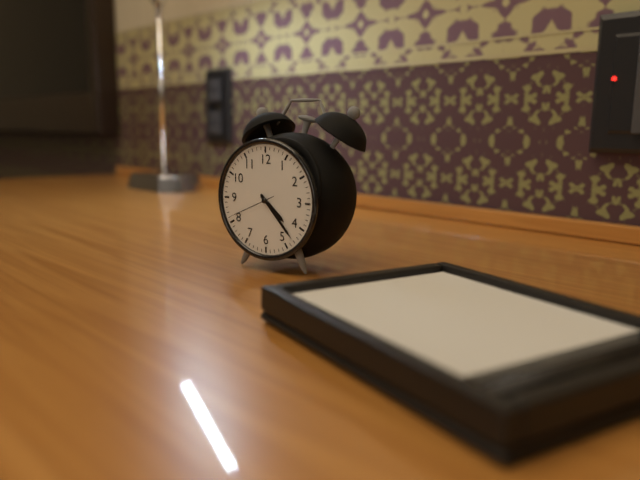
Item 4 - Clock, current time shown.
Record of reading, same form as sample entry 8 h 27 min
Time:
4 h 23 min
